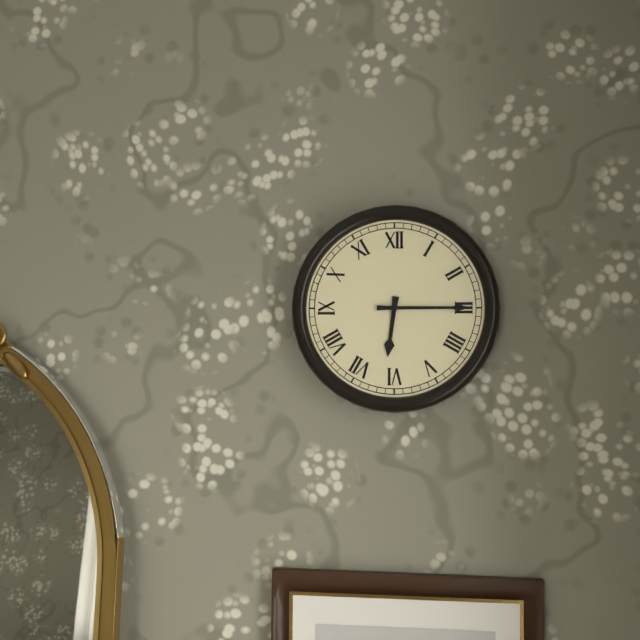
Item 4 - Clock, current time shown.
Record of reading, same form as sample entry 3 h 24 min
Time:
6 h 15 min
